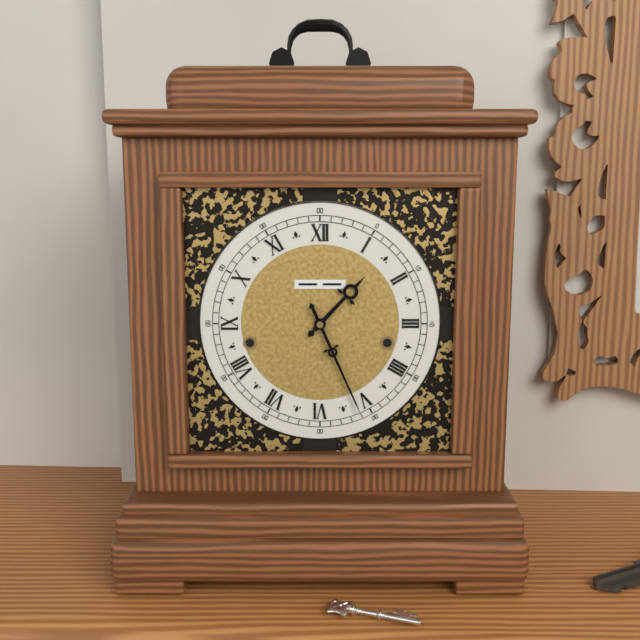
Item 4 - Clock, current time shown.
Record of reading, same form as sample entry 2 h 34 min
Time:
1 h 26 min
